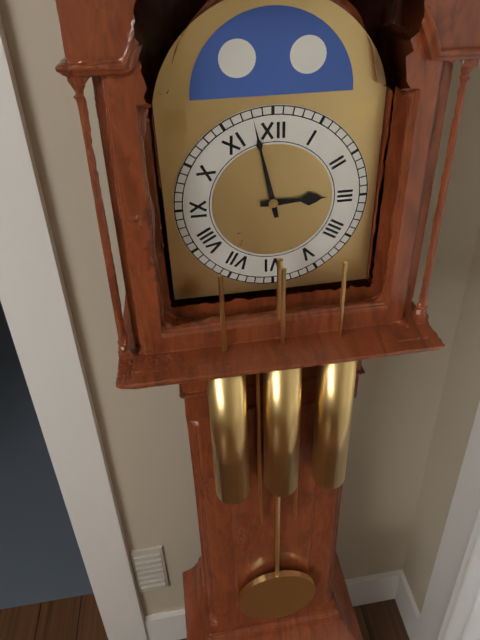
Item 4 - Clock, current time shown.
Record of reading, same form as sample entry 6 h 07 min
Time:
2 h 58 min
